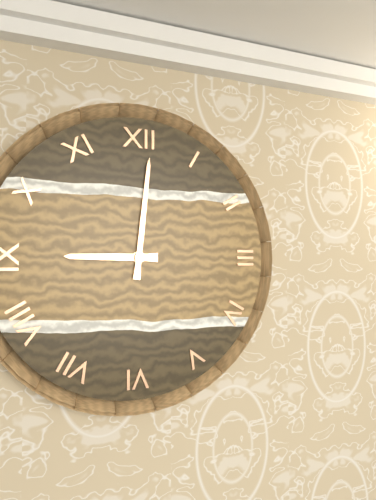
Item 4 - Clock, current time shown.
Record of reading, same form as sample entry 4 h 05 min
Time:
9 h 01 min
